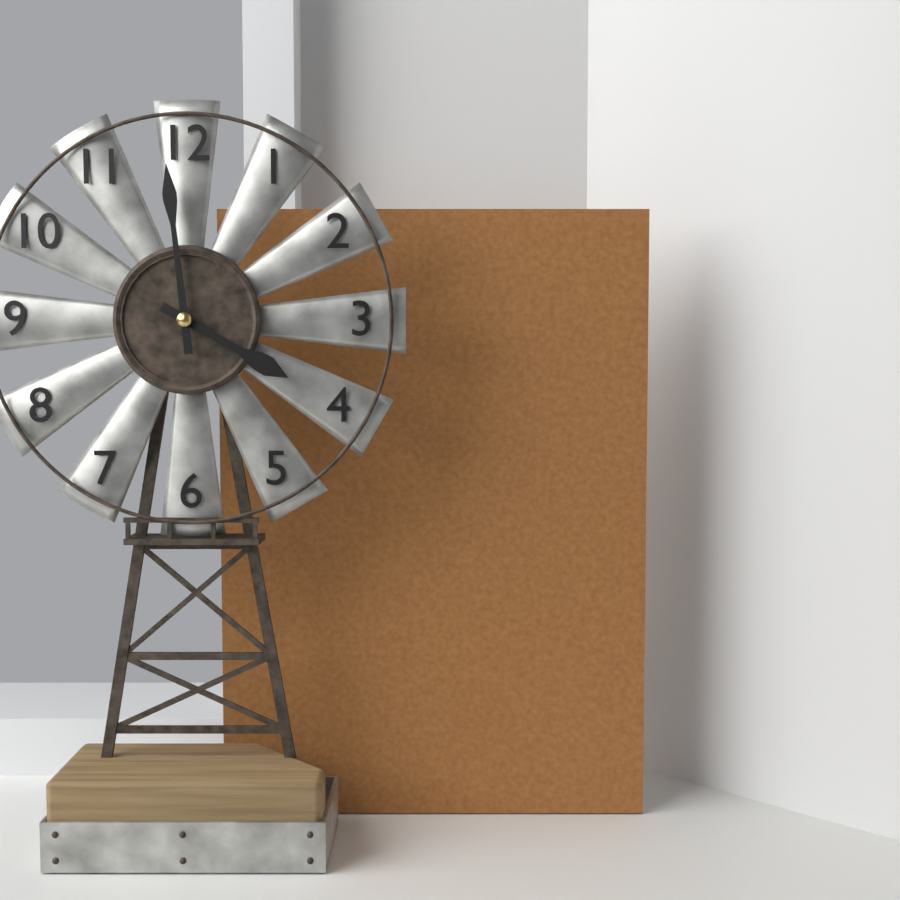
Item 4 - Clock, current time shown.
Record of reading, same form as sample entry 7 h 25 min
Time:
3 h 59 min
